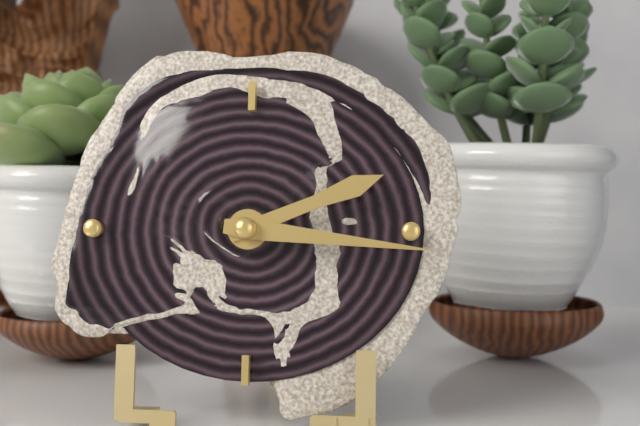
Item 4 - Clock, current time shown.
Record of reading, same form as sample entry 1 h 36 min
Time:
2 h 16 min
